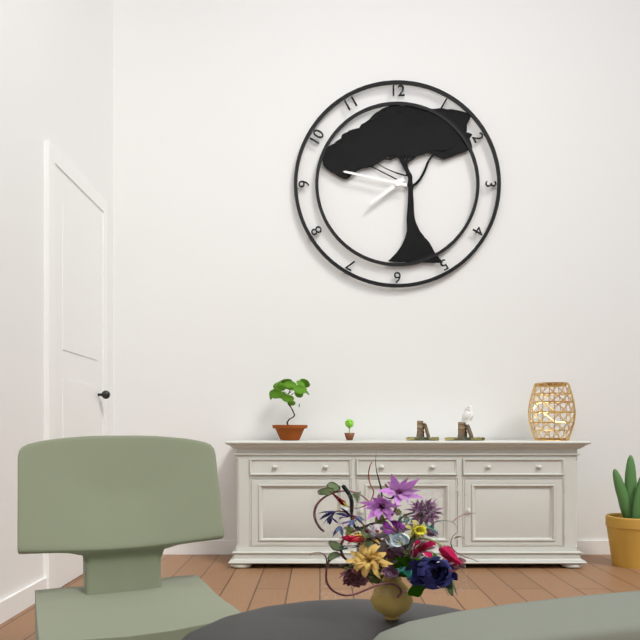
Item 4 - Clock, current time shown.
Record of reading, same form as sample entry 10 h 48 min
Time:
7 h 47 min
